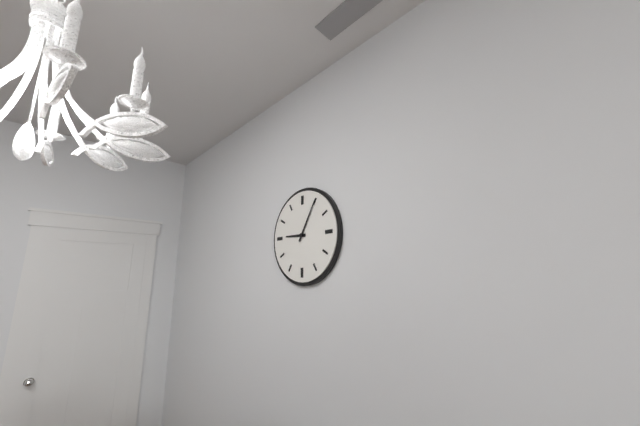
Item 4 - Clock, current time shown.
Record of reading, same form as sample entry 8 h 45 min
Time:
9 h 05 min
